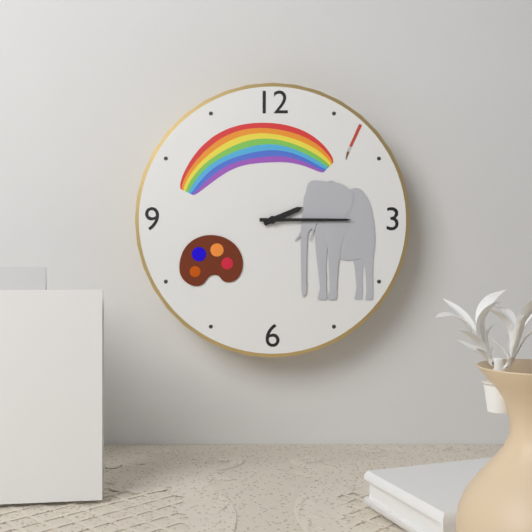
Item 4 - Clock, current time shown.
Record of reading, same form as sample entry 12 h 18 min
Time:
2 h 15 min
